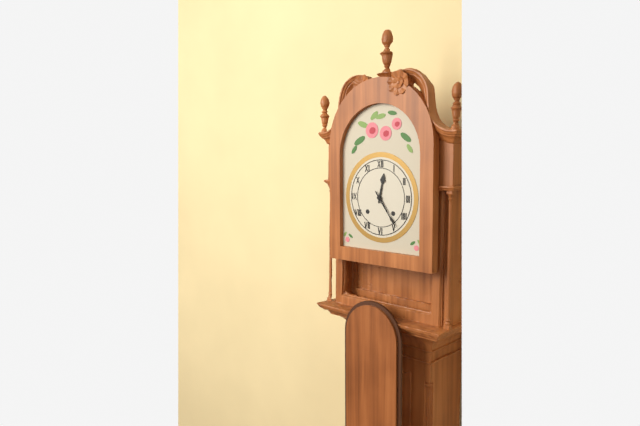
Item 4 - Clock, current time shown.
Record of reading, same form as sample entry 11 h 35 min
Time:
12 h 24 min
